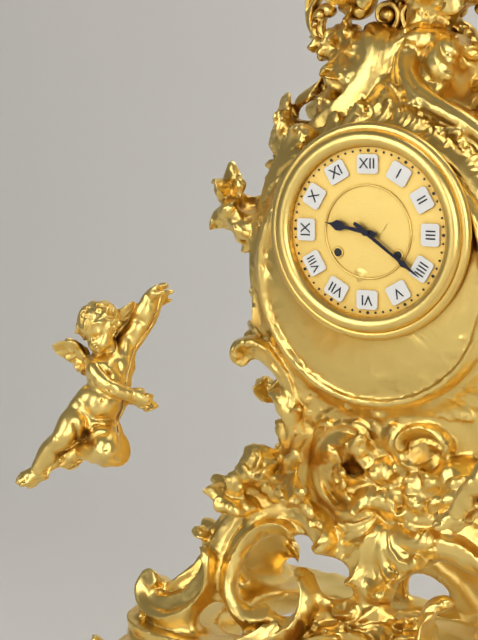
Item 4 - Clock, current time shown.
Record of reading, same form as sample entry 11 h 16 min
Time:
9 h 21 min
